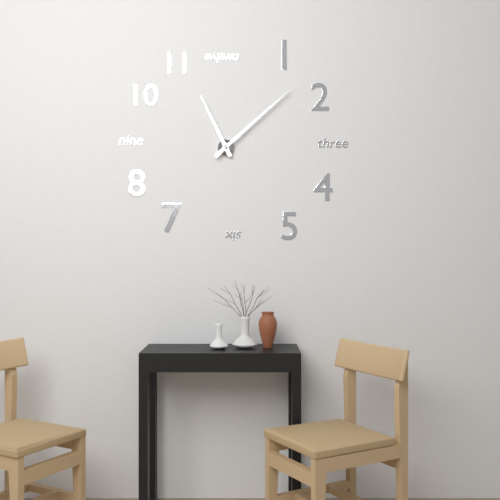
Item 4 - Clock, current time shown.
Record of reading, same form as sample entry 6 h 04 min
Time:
11 h 08 min
